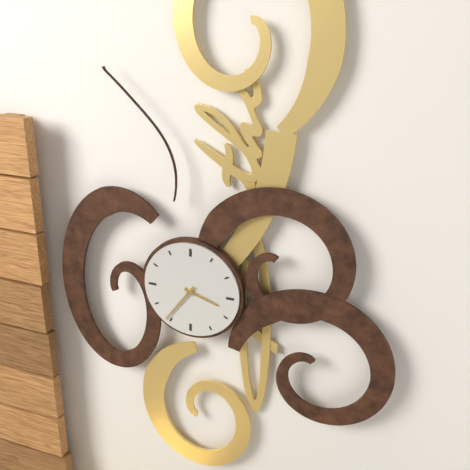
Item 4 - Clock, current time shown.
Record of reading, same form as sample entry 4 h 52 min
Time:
3 h 36 min
